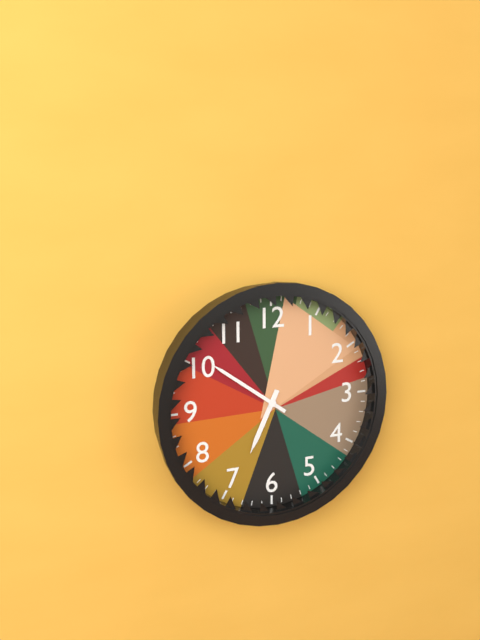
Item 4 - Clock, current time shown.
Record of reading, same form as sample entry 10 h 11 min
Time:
6 h 51 min
